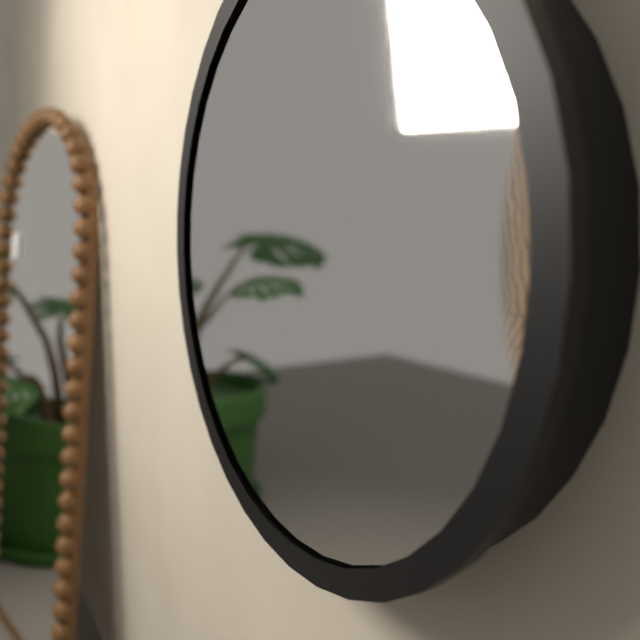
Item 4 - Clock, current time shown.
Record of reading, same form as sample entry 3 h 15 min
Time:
5 h 21 min
